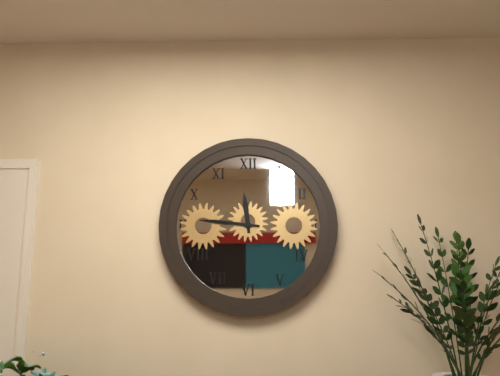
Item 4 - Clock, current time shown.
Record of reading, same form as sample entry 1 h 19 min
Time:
11 h 46 min
